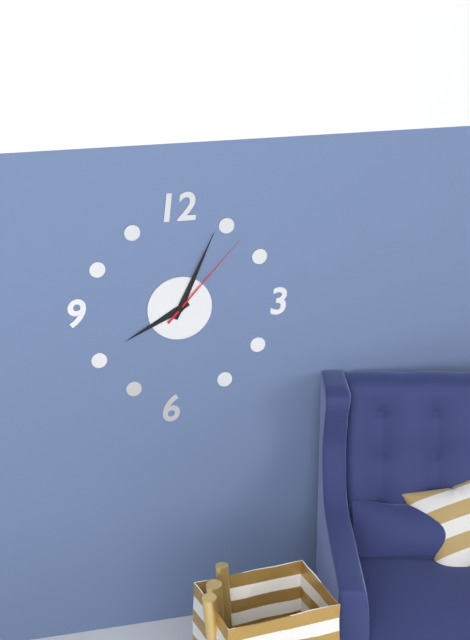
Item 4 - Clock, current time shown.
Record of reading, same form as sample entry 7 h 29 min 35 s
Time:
8 h 04 min 07 s
